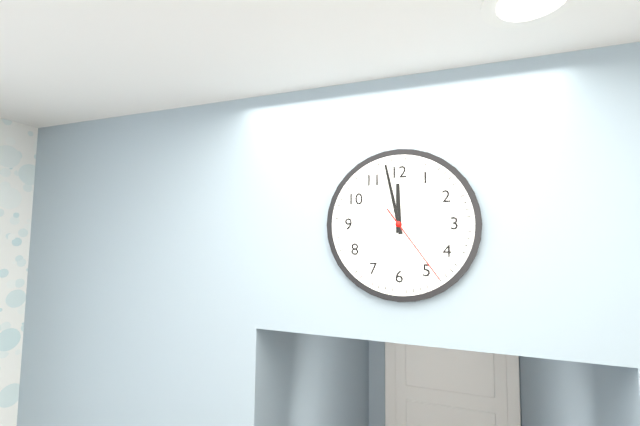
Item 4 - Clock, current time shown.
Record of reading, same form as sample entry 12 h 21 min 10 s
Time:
11 h 58 min 24 s
